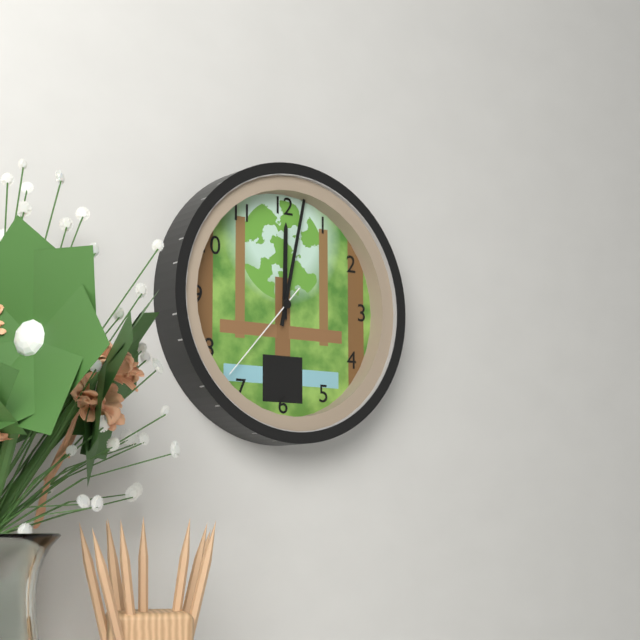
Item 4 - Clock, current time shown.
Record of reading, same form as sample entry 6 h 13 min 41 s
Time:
12 h 02 min 37 s
